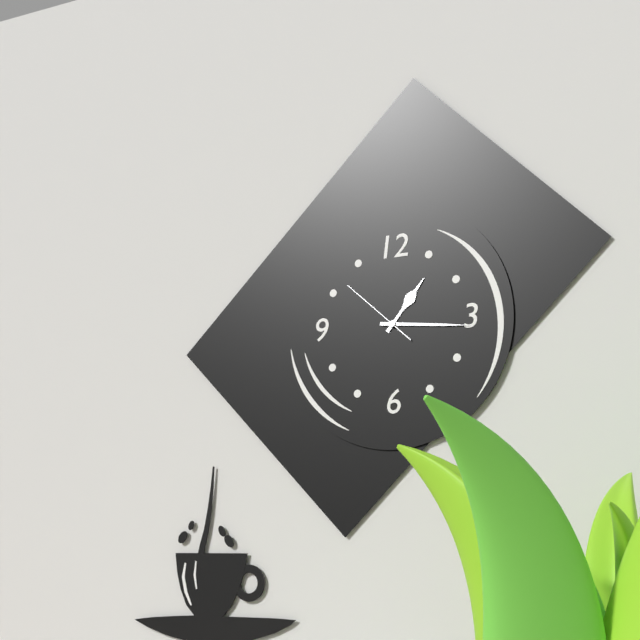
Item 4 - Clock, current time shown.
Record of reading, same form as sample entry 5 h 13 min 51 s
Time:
1 h 16 min 52 s
